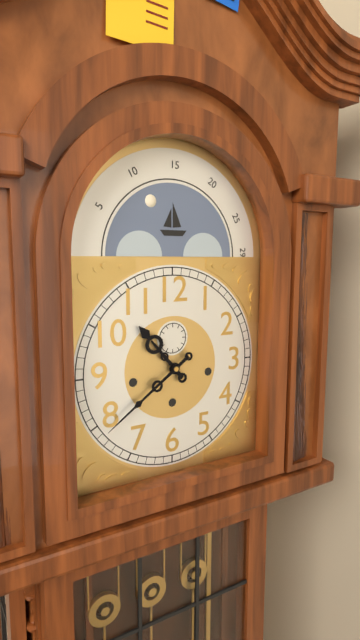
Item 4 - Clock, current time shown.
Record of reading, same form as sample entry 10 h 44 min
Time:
10 h 39 min
